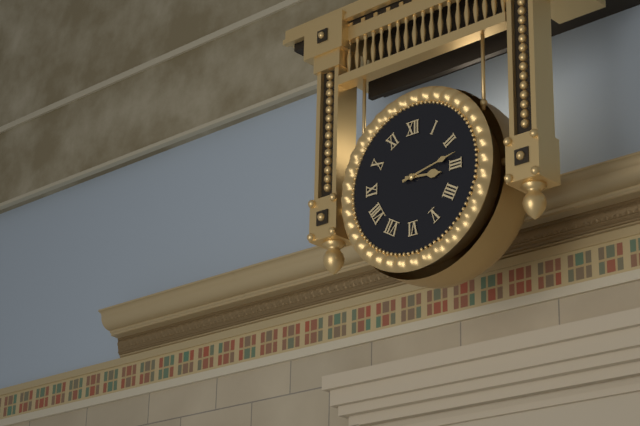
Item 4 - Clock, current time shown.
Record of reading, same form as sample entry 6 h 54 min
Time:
3 h 13 min
